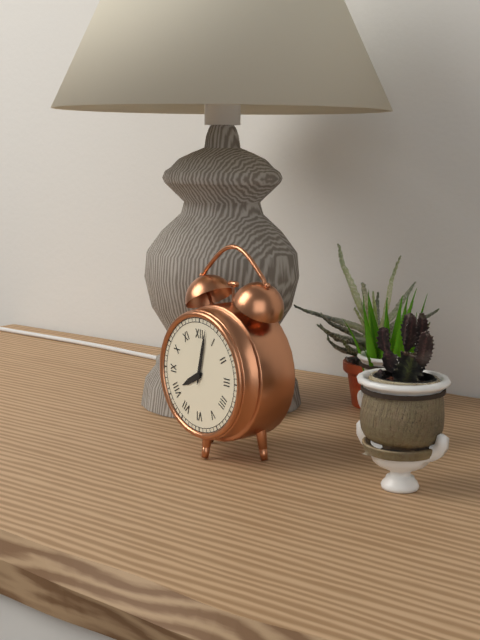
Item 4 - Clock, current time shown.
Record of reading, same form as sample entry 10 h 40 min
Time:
8 h 02 min
